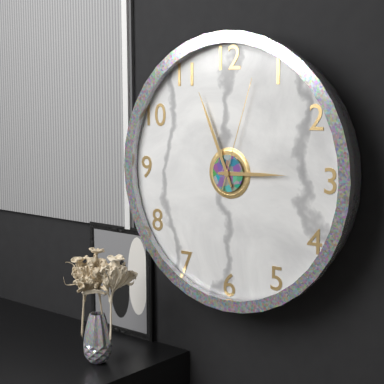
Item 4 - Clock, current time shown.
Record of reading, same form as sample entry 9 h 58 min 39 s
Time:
2 h 56 min 03 s
